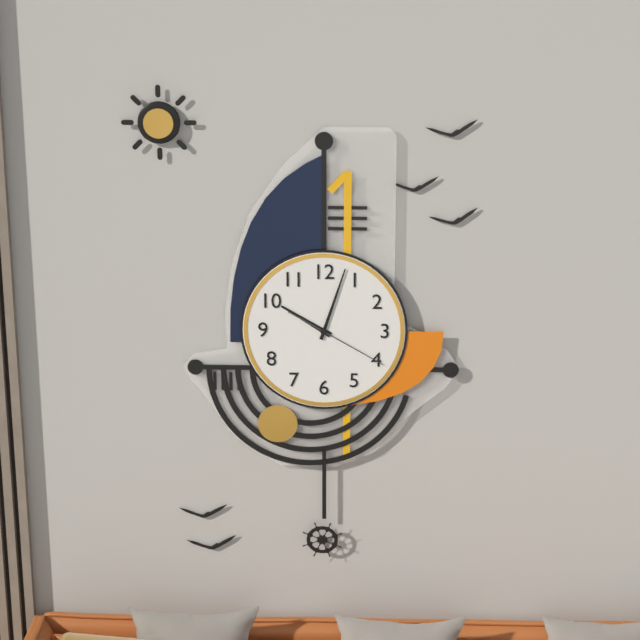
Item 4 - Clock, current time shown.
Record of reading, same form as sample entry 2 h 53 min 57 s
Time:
10 h 03 min 20 s
